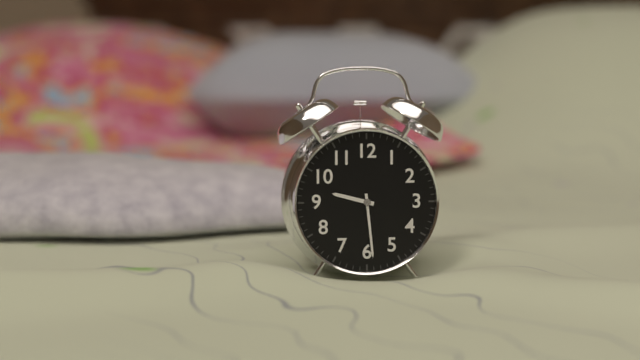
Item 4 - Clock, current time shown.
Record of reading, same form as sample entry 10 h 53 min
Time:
9 h 29 min
